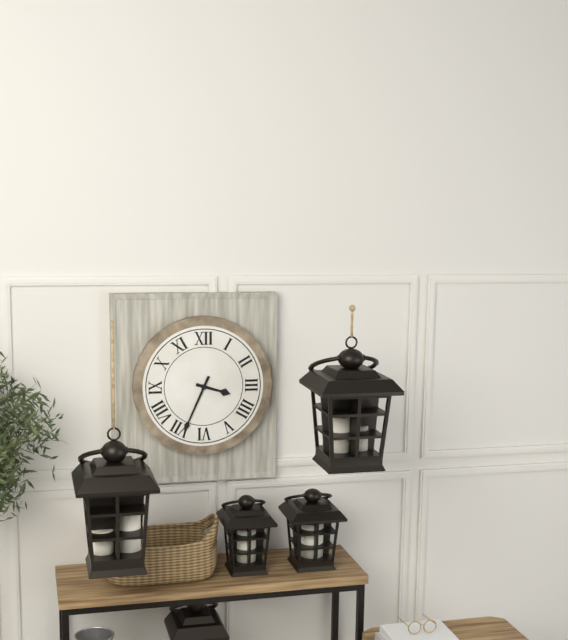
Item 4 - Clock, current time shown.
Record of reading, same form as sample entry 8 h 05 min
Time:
3 h 34 min
